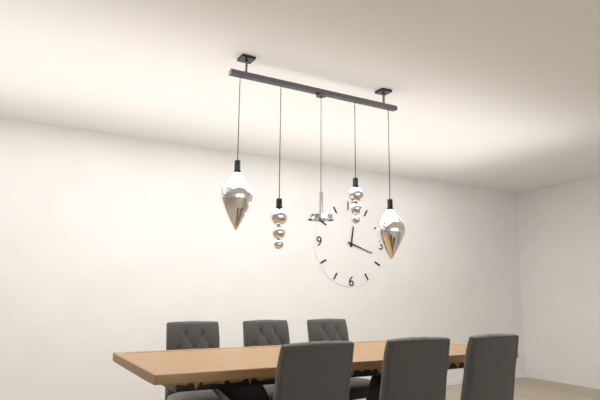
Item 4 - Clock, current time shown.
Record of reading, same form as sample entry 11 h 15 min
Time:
12 h 18 min
